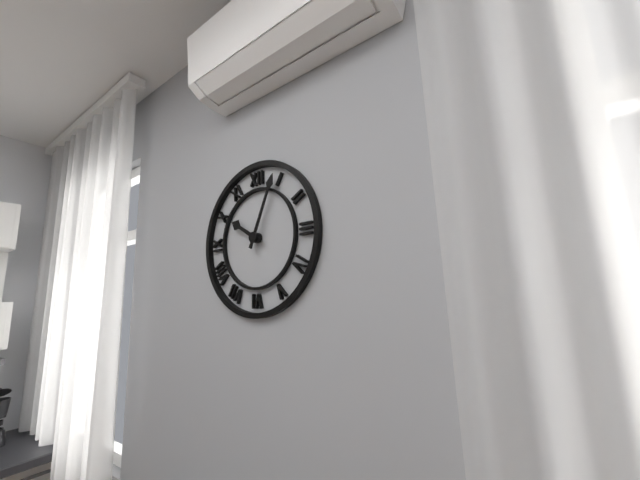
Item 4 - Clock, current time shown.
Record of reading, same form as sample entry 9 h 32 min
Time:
10 h 04 min
